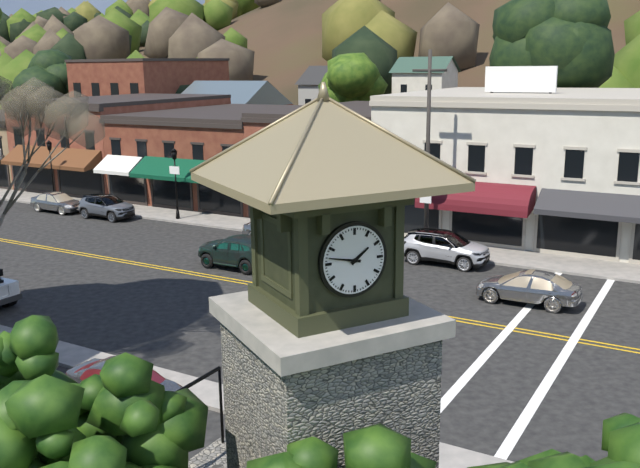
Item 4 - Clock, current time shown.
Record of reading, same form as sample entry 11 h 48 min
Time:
1 h 47 min
